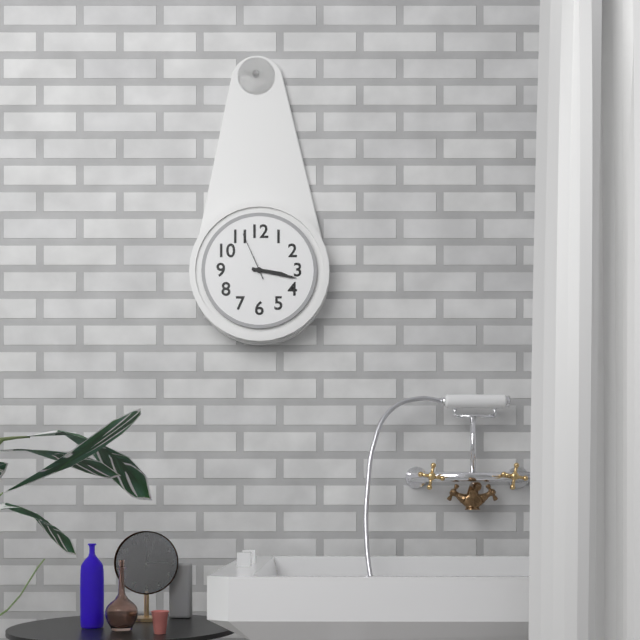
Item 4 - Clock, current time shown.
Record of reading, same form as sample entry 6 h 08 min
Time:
3 h 17 min
